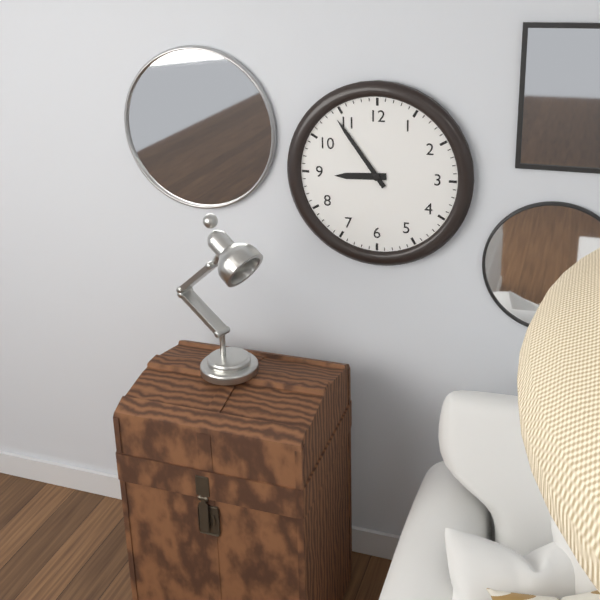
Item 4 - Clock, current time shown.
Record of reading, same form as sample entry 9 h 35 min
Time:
8 h 54 min
